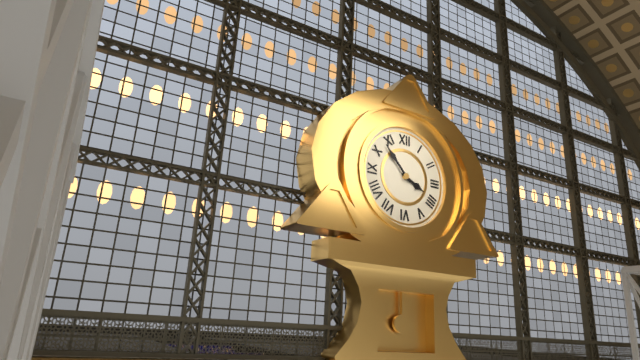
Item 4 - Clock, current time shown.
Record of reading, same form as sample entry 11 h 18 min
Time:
3 h 53 min
